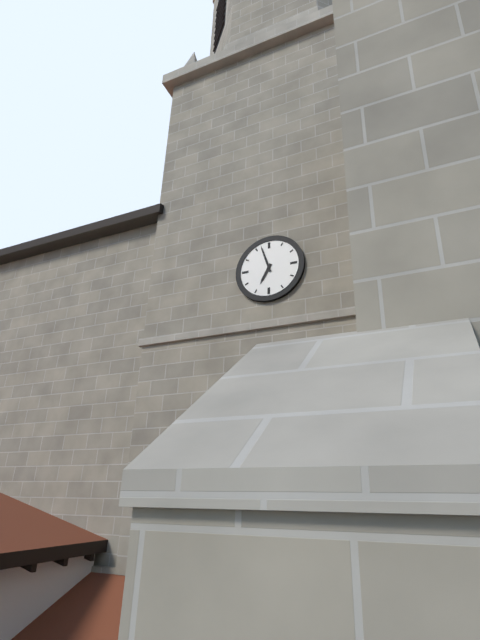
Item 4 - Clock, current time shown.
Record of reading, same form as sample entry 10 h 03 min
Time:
6 h 57 min
